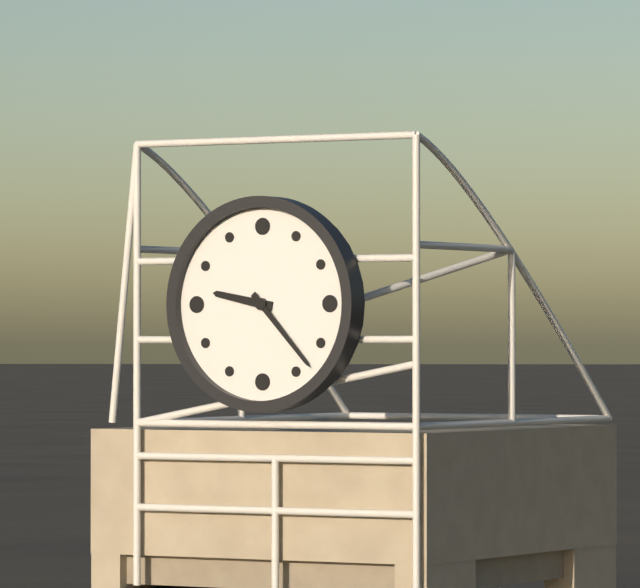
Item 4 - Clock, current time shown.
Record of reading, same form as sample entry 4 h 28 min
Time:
9 h 23 min
